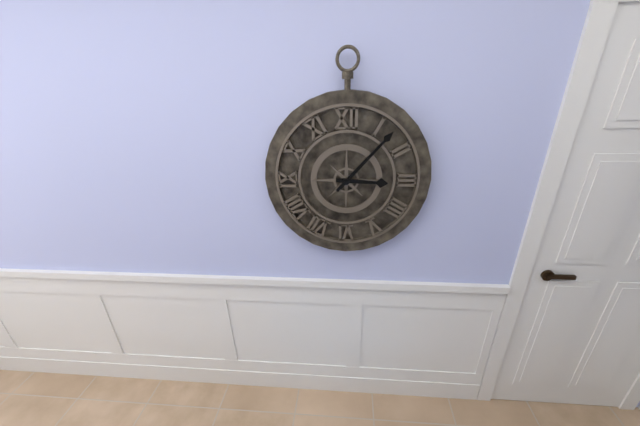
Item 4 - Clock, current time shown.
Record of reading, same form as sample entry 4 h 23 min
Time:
3 h 07 min
